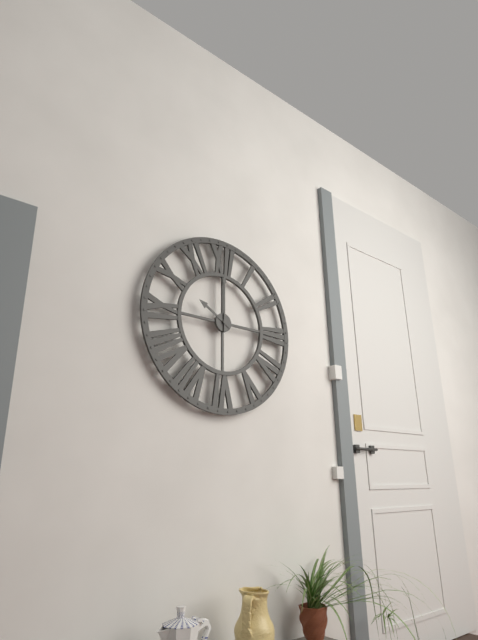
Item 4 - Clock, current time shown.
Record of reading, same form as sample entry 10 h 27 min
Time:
10 h 00 min
